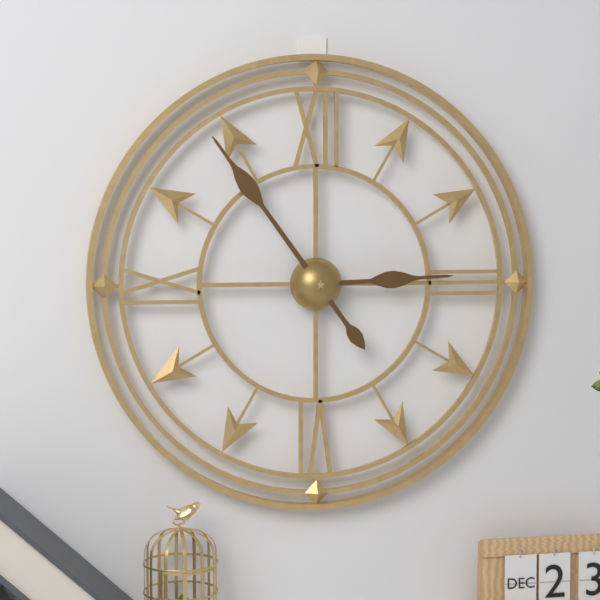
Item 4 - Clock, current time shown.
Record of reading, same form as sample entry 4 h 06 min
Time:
2 h 54 min
